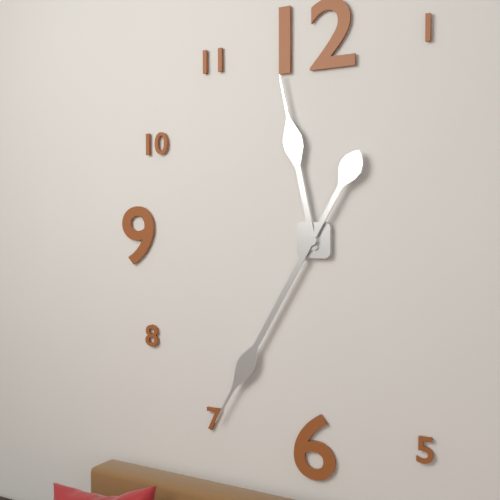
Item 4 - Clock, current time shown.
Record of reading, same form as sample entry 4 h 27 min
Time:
11 h 35 min
